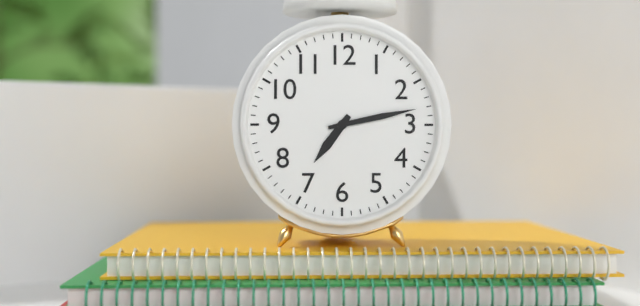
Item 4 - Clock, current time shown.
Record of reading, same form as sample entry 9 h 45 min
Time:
7 h 13 min
